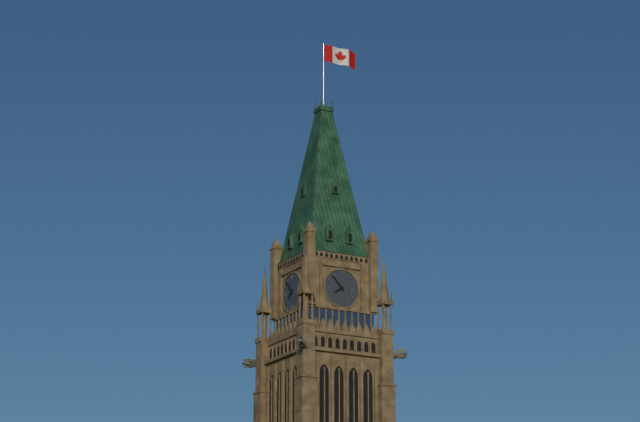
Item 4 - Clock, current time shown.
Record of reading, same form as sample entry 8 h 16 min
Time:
7 h 53 min
